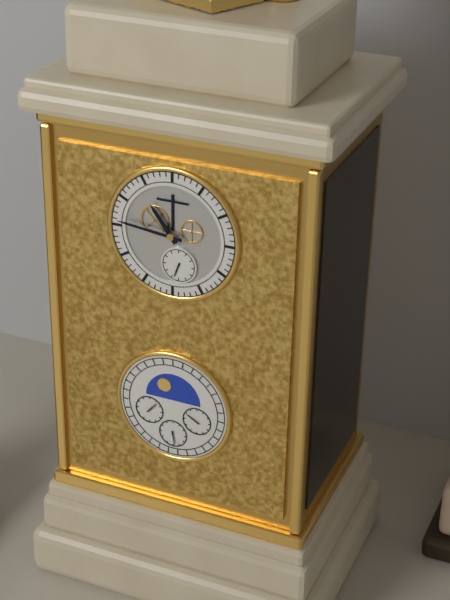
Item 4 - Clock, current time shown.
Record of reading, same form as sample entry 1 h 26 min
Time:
10 h 46 min
